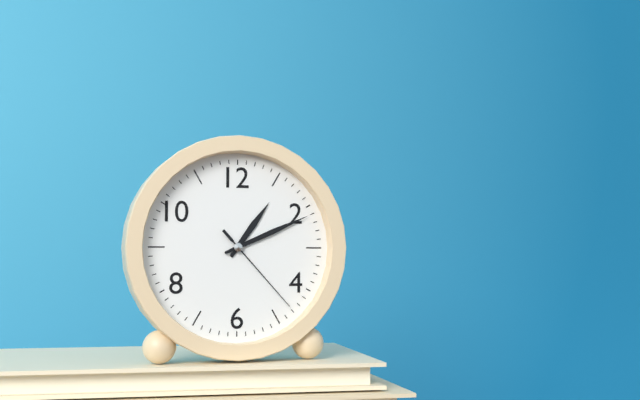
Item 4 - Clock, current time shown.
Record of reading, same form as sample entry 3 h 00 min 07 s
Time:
1 h 11 min 23 s
